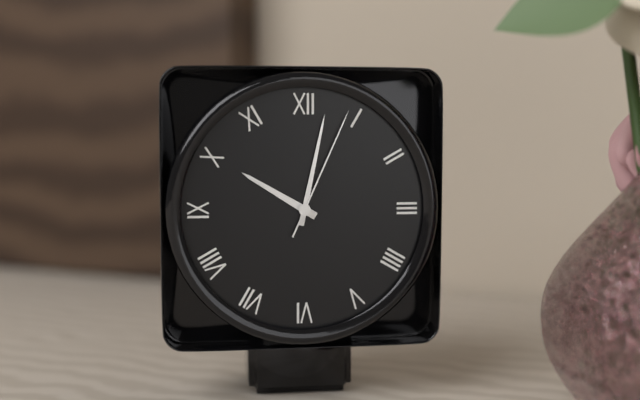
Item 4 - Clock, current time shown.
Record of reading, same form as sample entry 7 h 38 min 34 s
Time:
10 h 02 min 04 s
